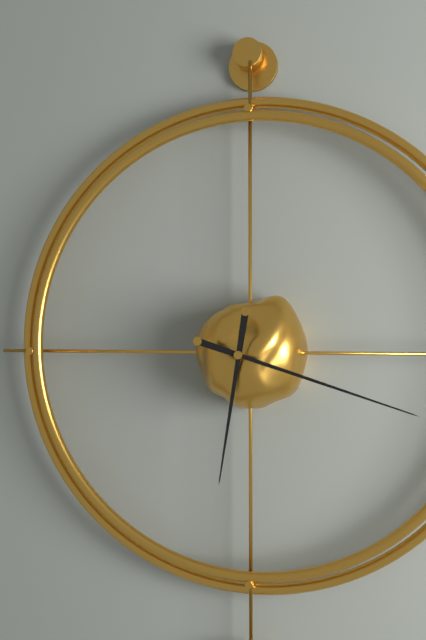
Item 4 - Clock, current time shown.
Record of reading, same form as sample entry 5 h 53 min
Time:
6 h 18 min
